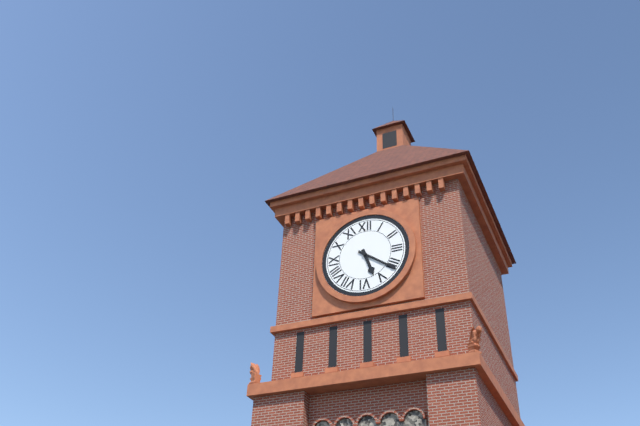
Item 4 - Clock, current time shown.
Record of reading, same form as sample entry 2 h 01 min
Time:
5 h 21 min
